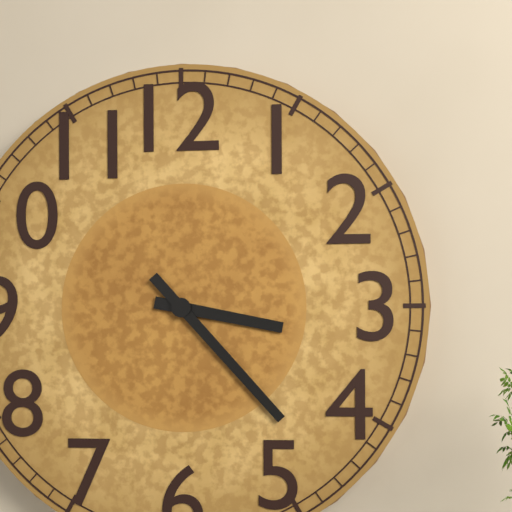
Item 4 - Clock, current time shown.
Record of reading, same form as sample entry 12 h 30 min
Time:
3 h 23 min
